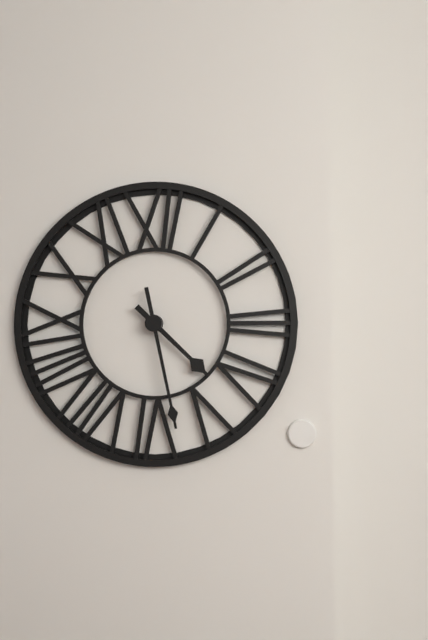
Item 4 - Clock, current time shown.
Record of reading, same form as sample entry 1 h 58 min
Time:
4 h 28 min
